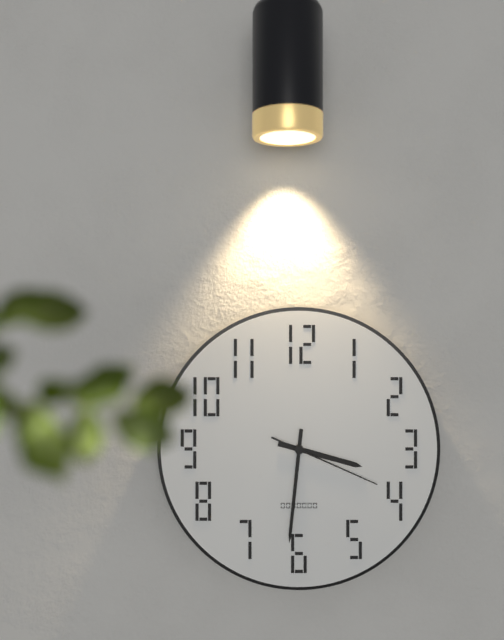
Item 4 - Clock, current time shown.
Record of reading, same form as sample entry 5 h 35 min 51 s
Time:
3 h 31 min 19 s
